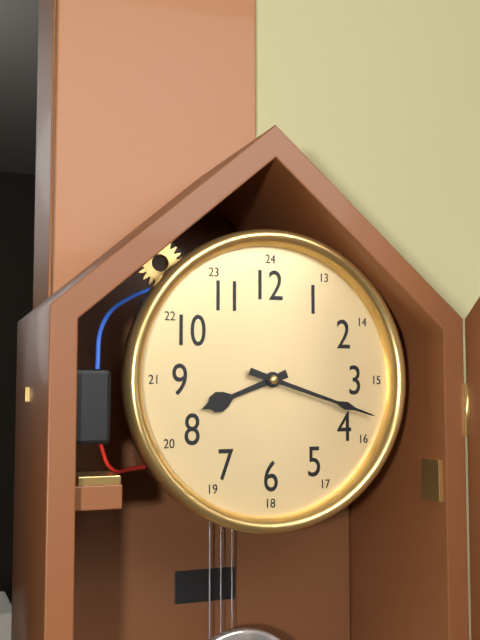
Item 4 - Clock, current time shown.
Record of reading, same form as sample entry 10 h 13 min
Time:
8 h 18 min
